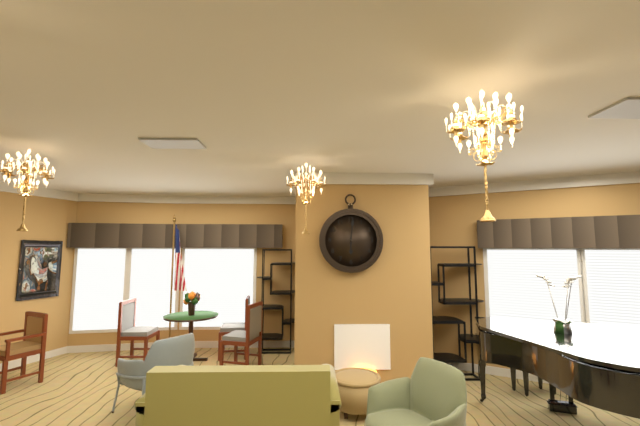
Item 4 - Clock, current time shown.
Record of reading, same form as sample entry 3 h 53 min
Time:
6 h 01 min
